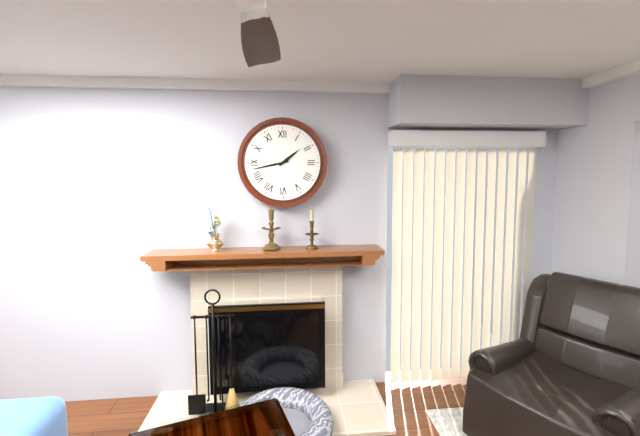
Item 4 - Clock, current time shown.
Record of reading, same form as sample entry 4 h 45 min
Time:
1 h 43 min
